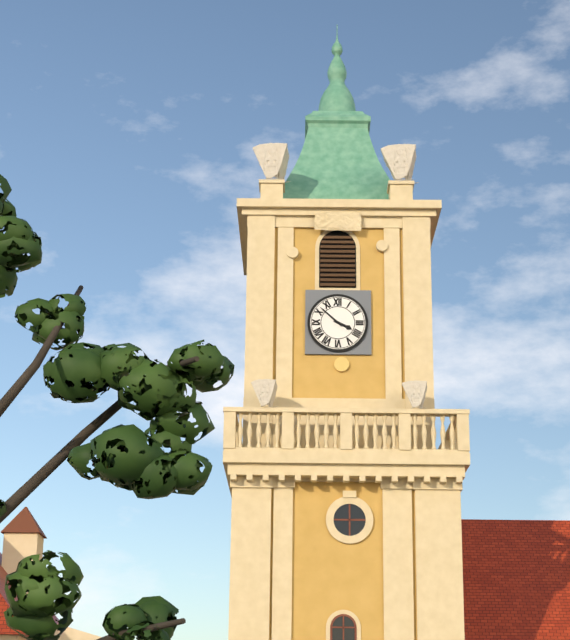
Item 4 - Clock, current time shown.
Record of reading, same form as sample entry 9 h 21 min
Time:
3 h 52 min
